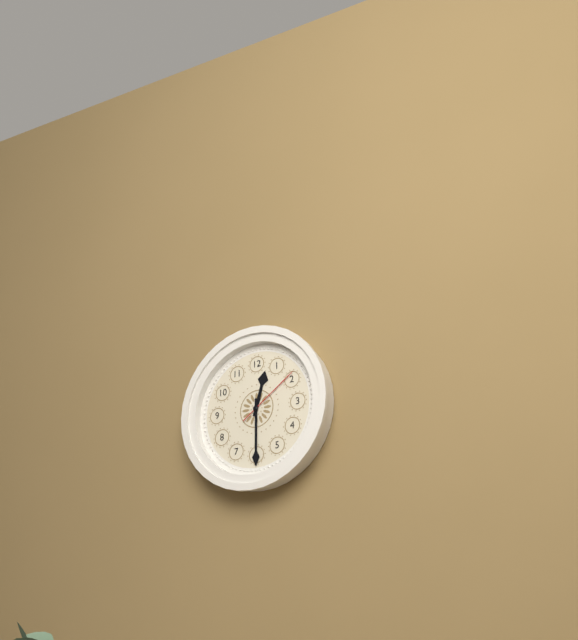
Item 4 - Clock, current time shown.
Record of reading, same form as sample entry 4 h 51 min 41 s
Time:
12 h 30 min 09 s
